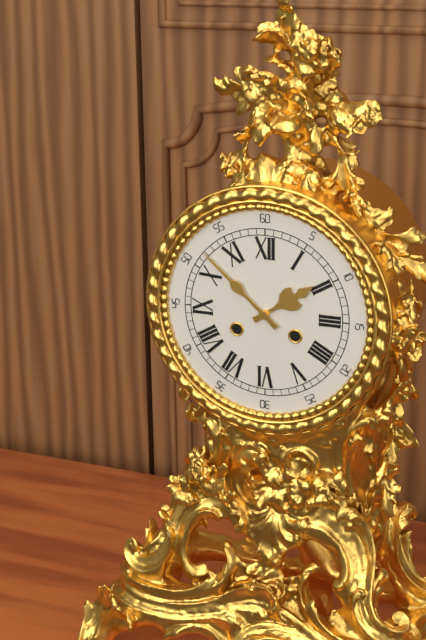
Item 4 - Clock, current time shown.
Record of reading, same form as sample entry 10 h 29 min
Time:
1 h 52 min
